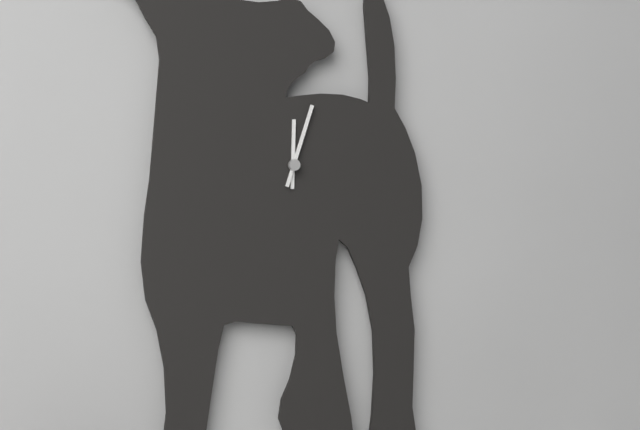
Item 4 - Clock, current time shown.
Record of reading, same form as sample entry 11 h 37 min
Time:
12 h 03 min
